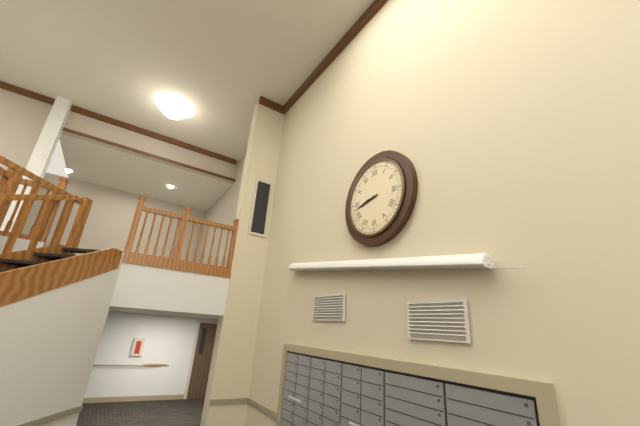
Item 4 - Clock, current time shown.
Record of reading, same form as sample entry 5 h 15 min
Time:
8 h 43 min
